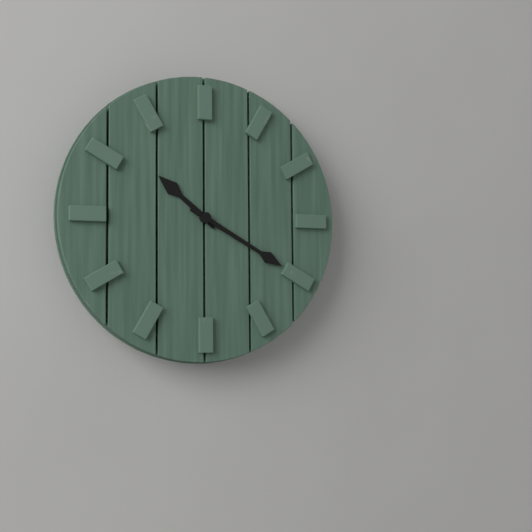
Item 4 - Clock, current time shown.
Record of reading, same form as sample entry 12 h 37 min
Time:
10 h 20 min
